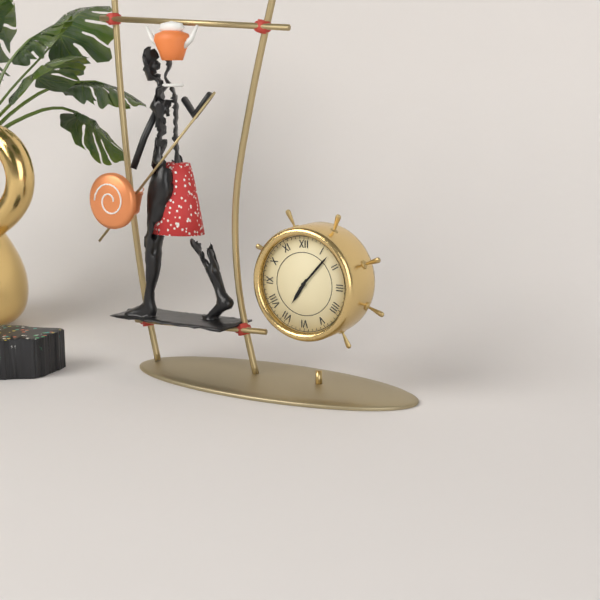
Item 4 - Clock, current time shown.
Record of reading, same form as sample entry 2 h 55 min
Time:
7 h 07 min
